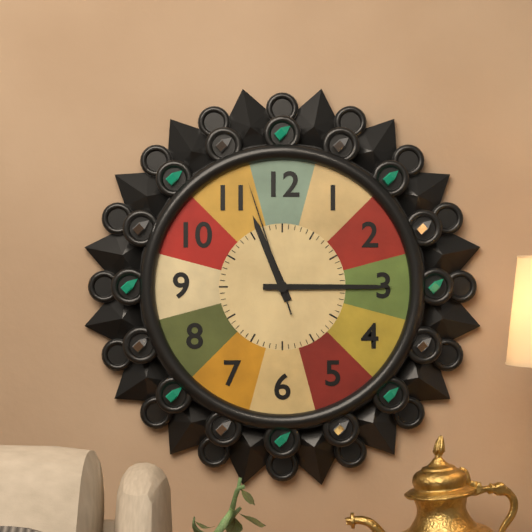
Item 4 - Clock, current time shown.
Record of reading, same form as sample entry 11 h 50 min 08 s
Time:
11 h 15 min 57 s
